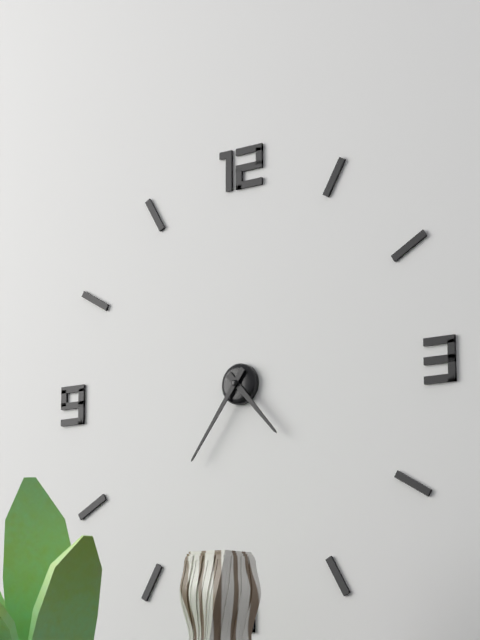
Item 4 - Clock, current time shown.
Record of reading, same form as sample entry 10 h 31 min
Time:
4 h 36 min
